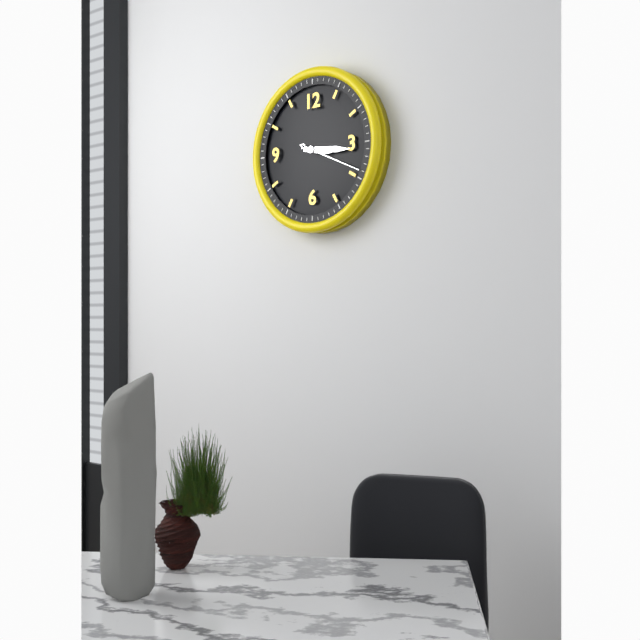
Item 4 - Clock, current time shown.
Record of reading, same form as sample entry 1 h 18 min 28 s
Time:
3 h 16 min 19 s
